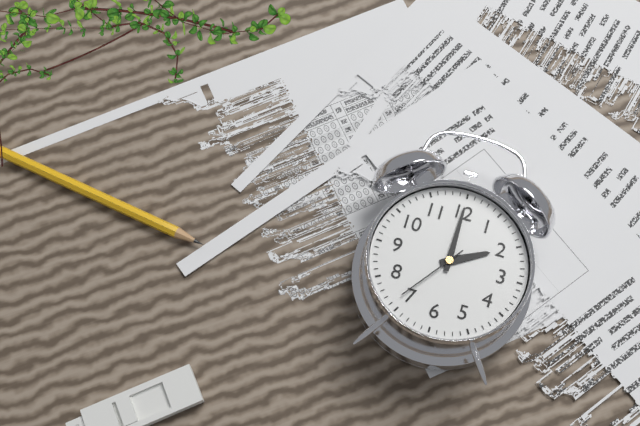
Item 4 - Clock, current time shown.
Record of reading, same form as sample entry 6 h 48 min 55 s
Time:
2 h 00 min 36 s
